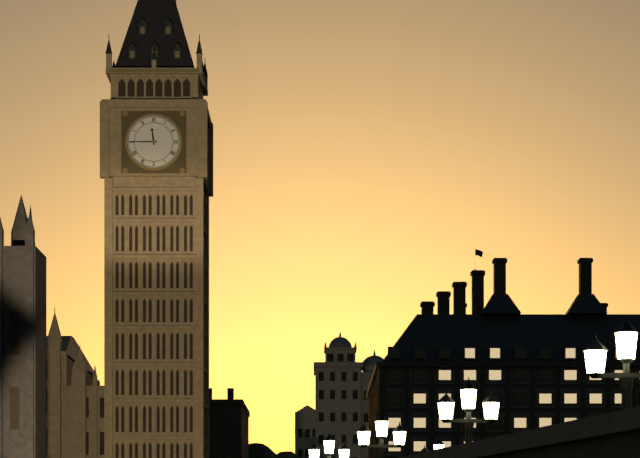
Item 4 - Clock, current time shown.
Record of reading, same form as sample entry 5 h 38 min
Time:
11 h 45 min
